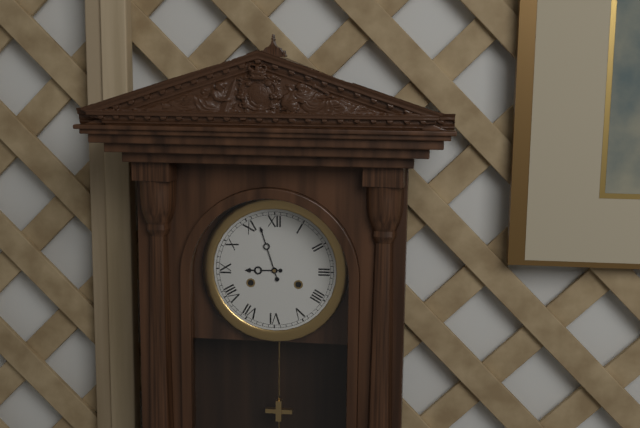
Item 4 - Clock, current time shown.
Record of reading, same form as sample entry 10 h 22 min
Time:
8 h 57 min
